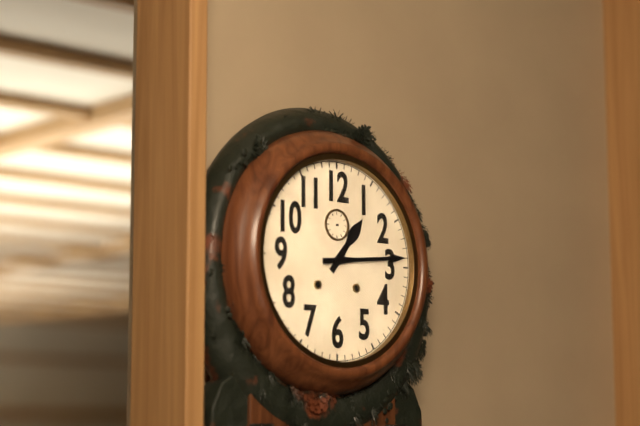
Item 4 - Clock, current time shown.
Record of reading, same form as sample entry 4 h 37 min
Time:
1 h 14 min
